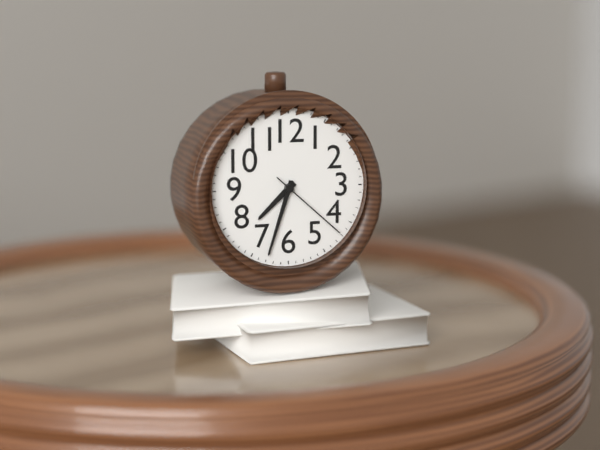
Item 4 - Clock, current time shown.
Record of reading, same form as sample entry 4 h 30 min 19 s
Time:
7 h 33 min 22 s
